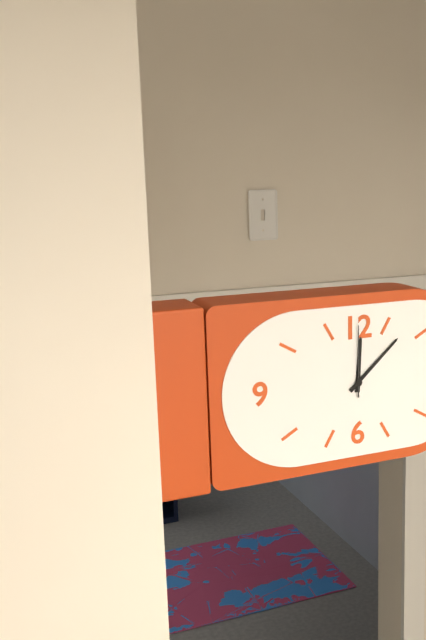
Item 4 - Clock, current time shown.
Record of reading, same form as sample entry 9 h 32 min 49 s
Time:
12 h 08 min 00 s
